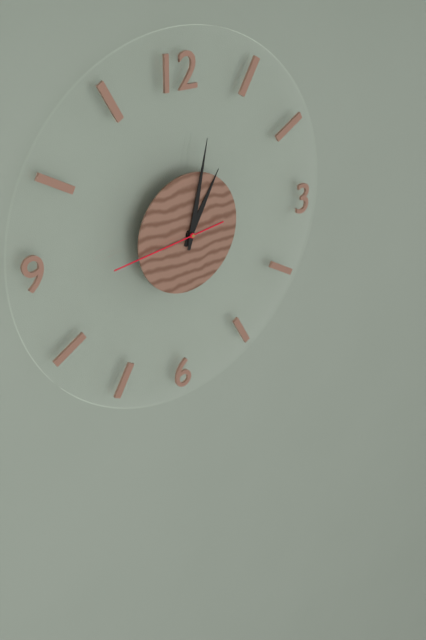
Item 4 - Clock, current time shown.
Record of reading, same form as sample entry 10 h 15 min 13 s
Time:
1 h 02 min 44 s
